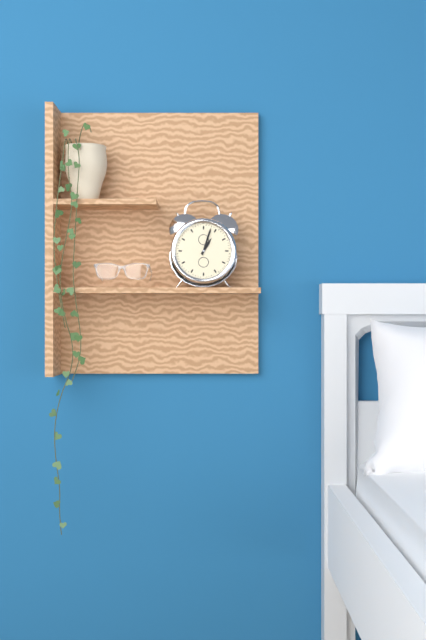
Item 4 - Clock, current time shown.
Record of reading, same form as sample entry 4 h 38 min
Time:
1 h 03 min
